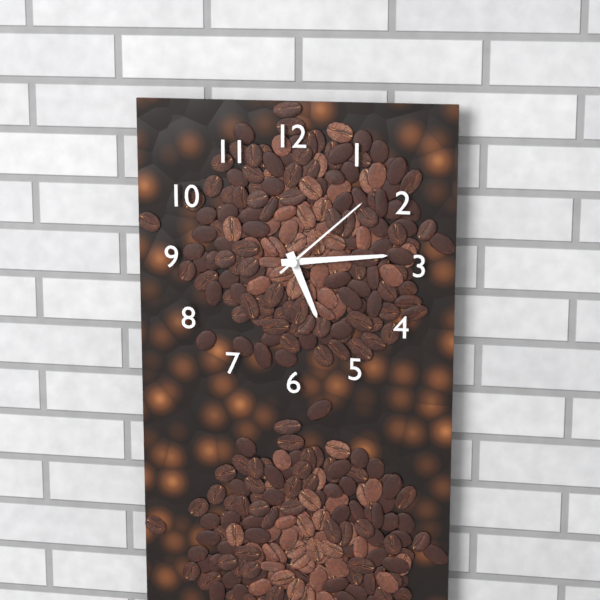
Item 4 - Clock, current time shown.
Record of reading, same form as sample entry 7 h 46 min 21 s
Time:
5 h 14 min 08 s
